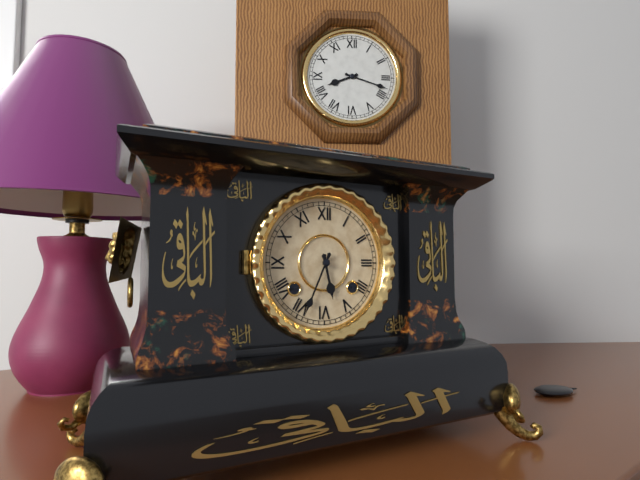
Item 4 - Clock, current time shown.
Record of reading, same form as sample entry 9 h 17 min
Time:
5 h 34 min
